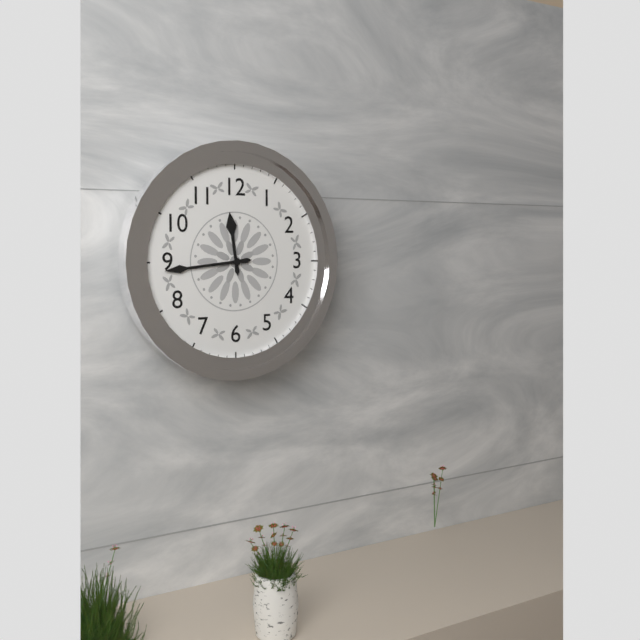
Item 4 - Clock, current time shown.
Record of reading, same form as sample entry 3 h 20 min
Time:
11 h 44 min
